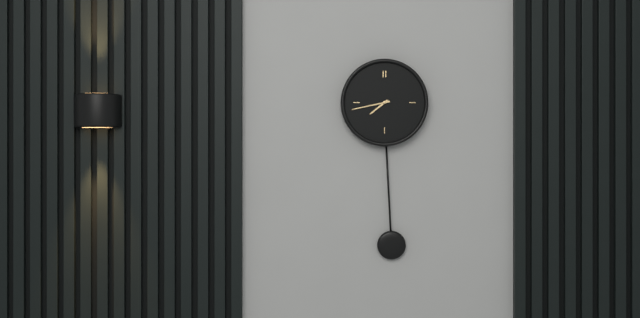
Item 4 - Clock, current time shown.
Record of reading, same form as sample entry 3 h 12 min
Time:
7 h 43 min
